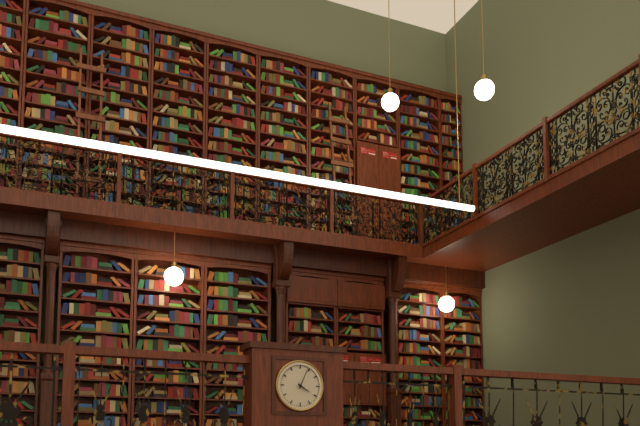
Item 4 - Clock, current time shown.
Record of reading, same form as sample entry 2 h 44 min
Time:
4 h 04 min
